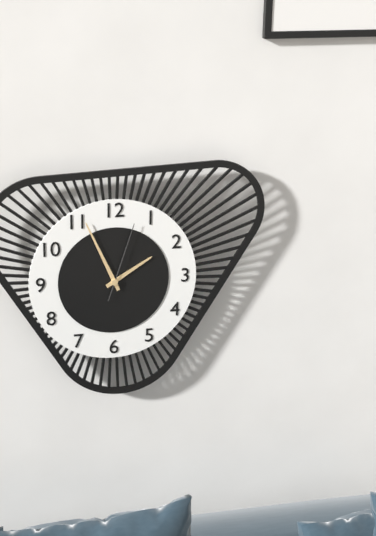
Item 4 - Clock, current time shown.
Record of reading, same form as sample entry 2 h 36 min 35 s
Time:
1 h 56 min 03 s
